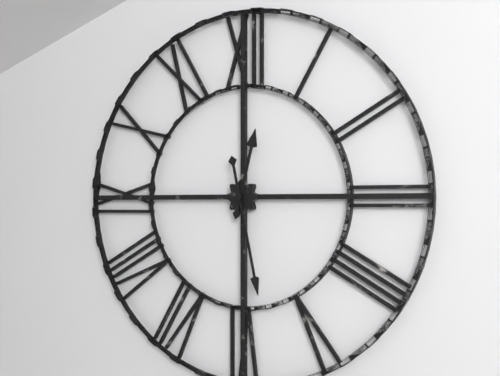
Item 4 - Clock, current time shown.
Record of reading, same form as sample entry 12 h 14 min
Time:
12 h 28 min
